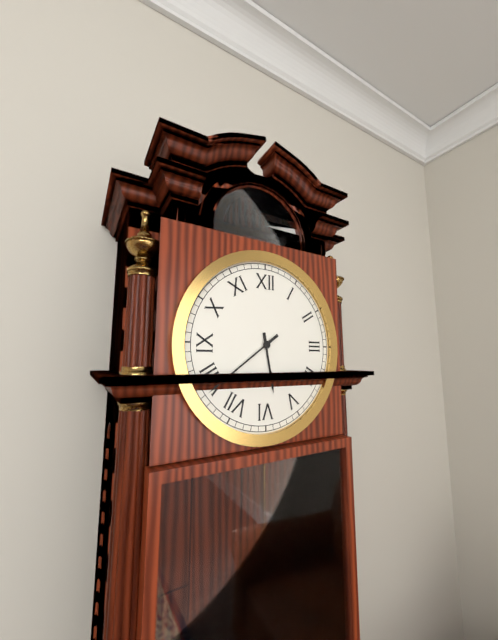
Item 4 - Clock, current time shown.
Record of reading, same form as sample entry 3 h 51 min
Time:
5 h 39 min
